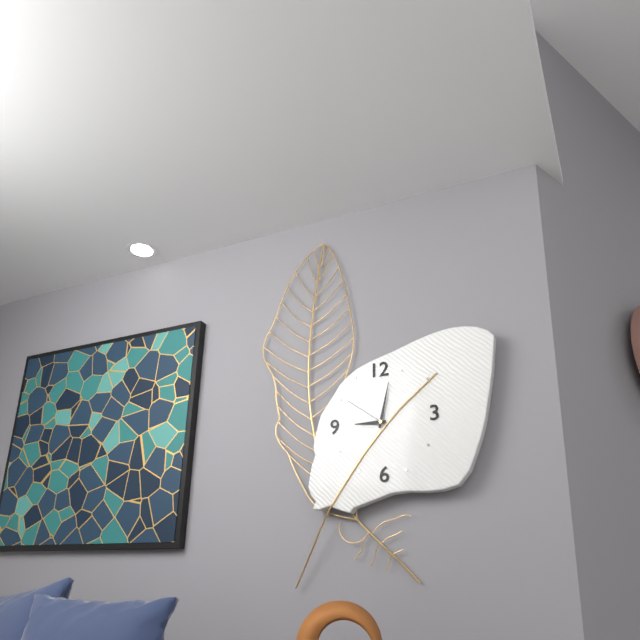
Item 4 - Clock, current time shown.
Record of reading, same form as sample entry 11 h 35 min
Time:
9 h 02 min
